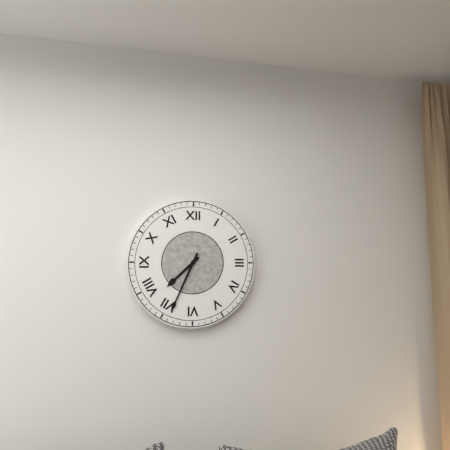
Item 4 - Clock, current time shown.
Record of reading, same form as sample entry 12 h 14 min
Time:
7 h 34 min
